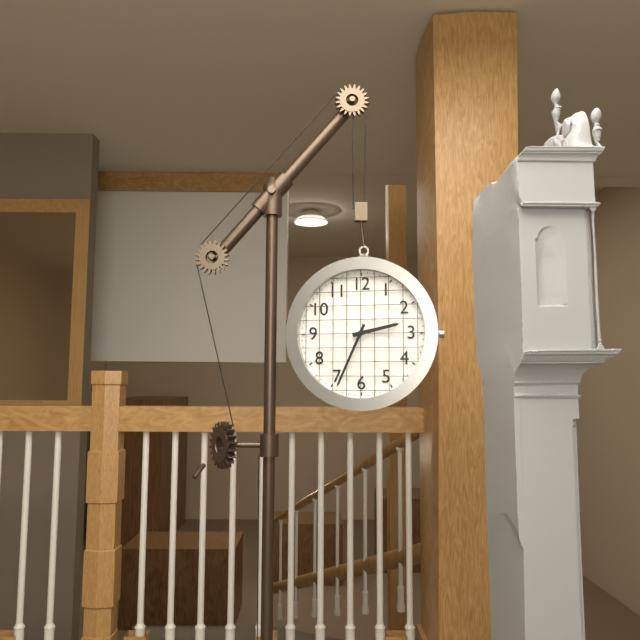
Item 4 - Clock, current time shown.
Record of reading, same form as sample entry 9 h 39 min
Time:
2 h 34 min
